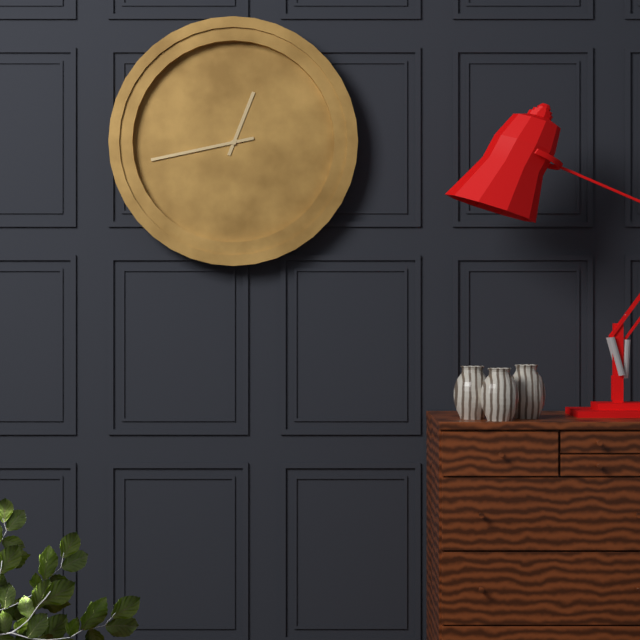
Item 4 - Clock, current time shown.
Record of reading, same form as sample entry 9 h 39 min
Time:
12 h 43 min
